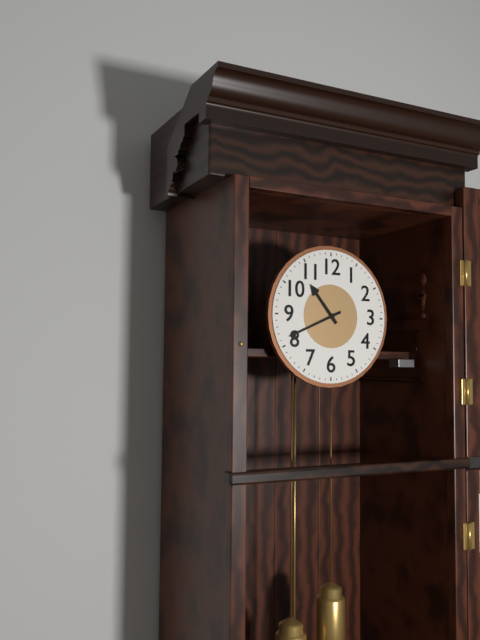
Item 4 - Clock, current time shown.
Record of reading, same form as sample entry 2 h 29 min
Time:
10 h 41 min
